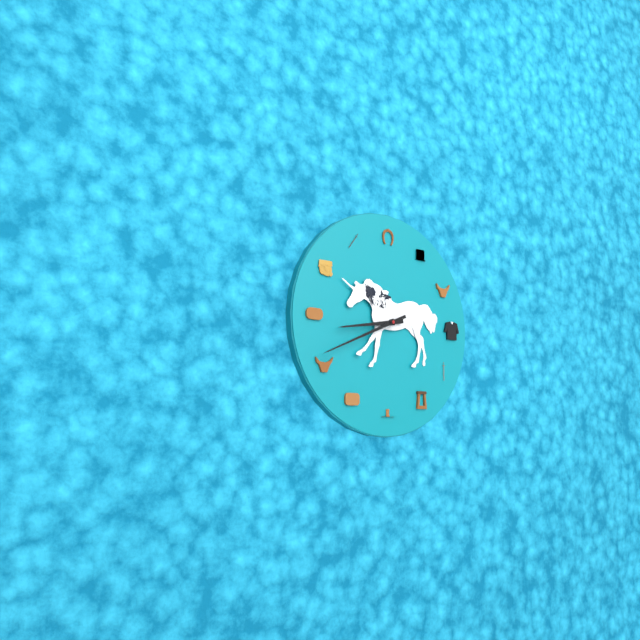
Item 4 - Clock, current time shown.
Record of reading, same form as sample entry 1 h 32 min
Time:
8 h 41 min
